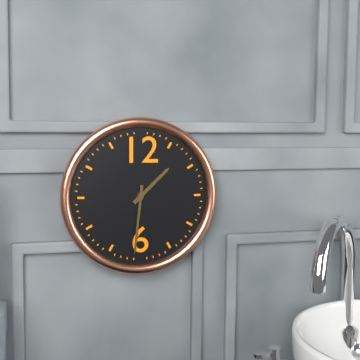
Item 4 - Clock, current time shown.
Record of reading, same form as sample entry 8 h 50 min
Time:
1 h 31 min
